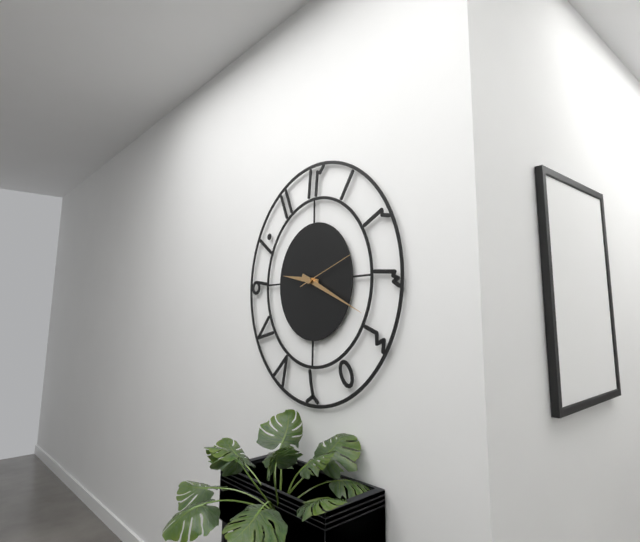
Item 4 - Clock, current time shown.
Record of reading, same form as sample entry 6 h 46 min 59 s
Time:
9 h 19 min 12 s
